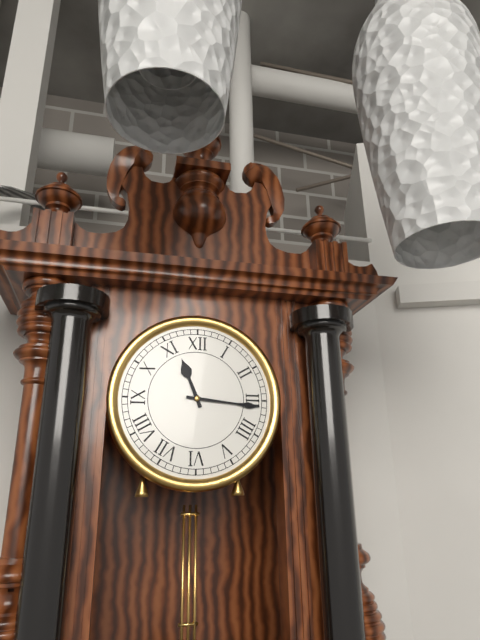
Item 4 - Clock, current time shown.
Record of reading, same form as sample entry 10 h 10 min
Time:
11 h 16 min
